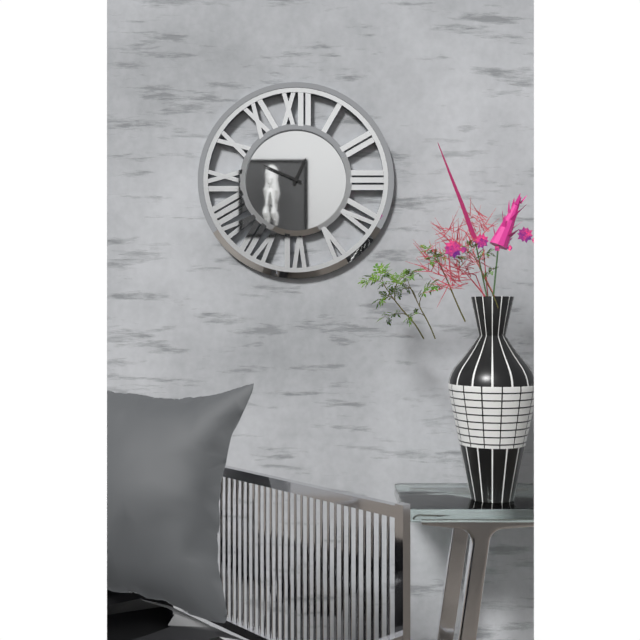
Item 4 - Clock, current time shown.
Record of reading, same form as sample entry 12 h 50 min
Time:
12 h 49 min
